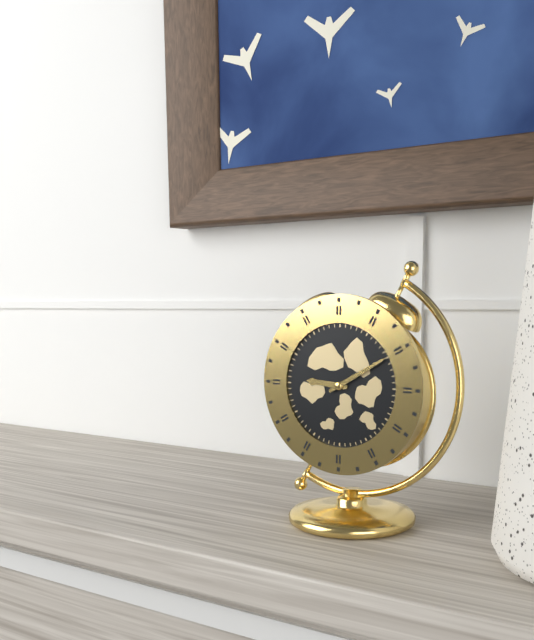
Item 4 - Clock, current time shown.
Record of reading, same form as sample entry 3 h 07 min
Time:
9 h 10 min
